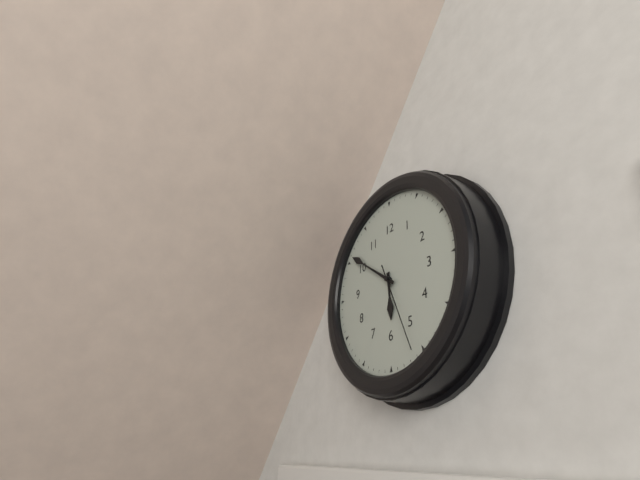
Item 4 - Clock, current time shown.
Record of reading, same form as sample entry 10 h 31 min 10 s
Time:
5 h 51 min 26 s
